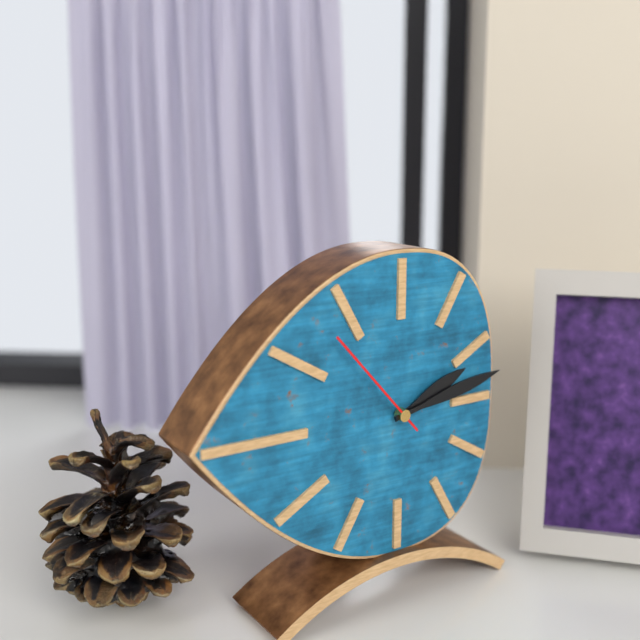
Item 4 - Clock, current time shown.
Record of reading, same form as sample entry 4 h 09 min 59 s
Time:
2 h 13 min 53 s
